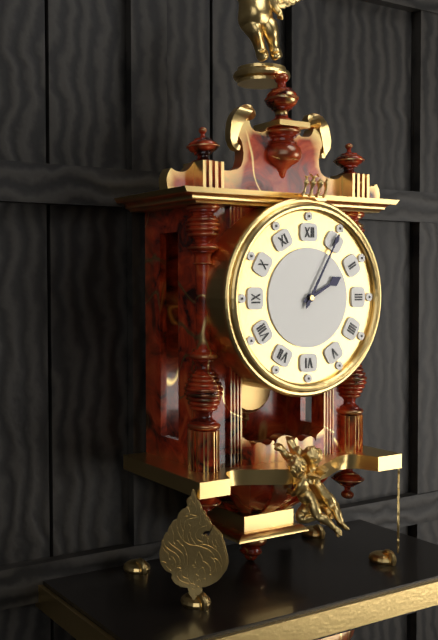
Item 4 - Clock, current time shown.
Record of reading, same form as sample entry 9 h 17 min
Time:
2 h 05 min
